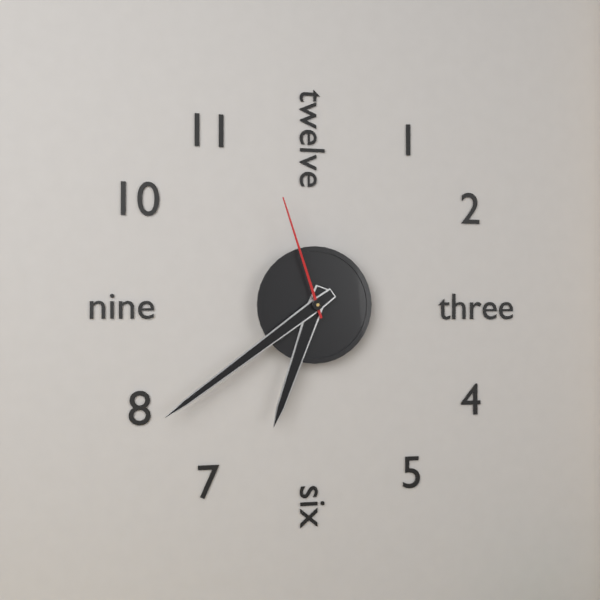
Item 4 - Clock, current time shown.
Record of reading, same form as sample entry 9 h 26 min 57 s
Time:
6 h 39 min 57 s
